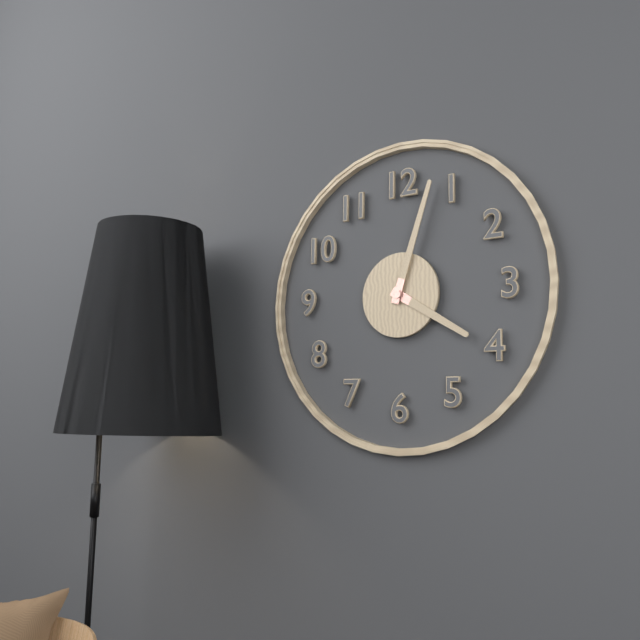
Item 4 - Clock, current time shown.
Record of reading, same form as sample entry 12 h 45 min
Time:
4 h 03 min
